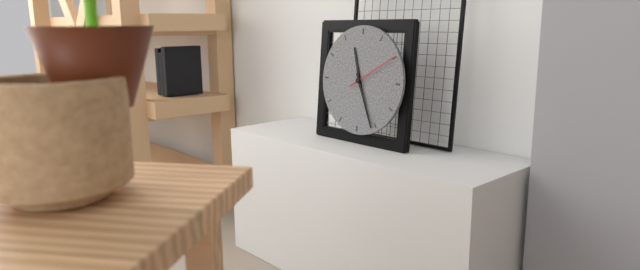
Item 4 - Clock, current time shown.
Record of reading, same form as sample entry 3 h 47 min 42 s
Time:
11 h 26 min 10 s
